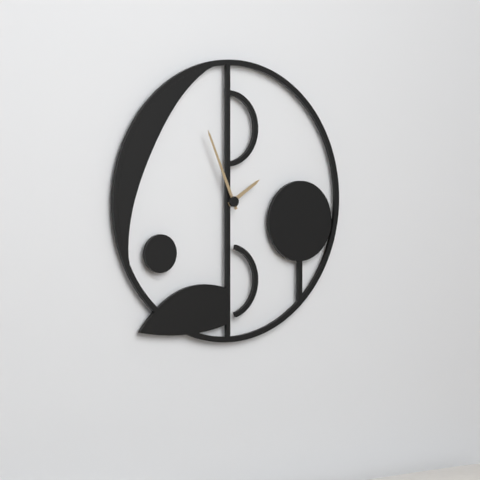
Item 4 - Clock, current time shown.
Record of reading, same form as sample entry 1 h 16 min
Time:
1 h 56 min
